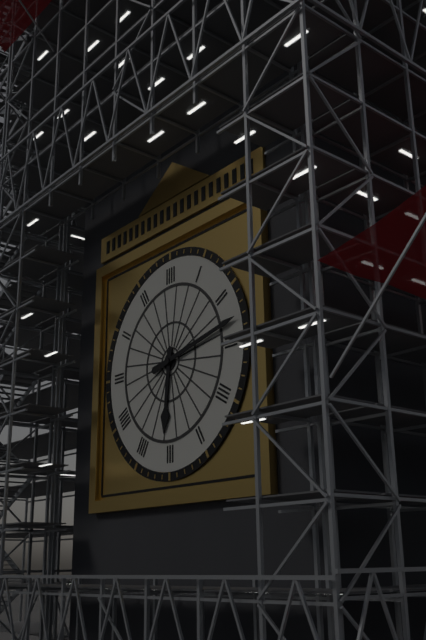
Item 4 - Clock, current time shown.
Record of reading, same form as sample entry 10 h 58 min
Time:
6 h 13 min
